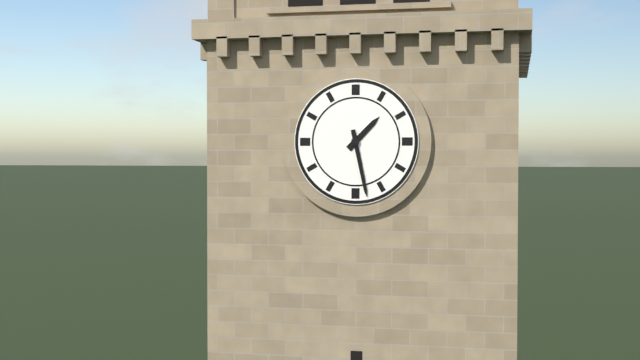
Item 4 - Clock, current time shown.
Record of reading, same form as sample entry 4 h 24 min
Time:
1 h 28 min
